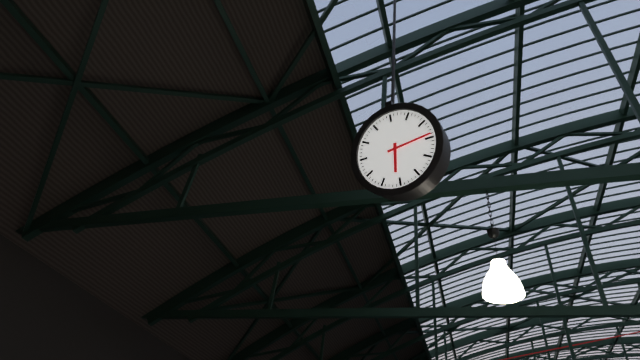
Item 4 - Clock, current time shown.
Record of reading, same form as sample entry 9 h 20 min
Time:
6 h 14 min
